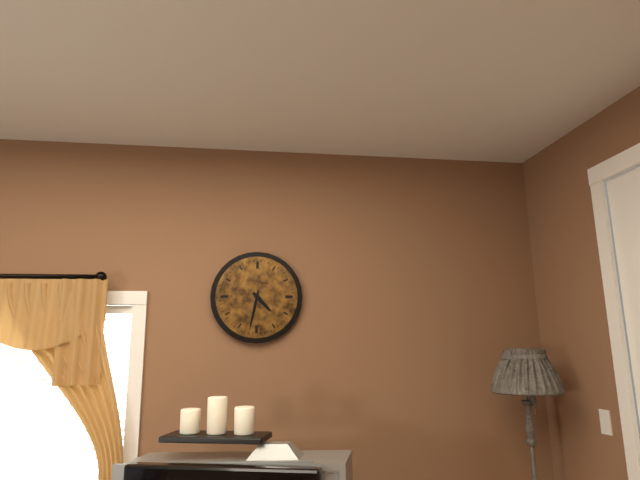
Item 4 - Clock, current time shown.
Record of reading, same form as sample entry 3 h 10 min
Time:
4 h 32 min
